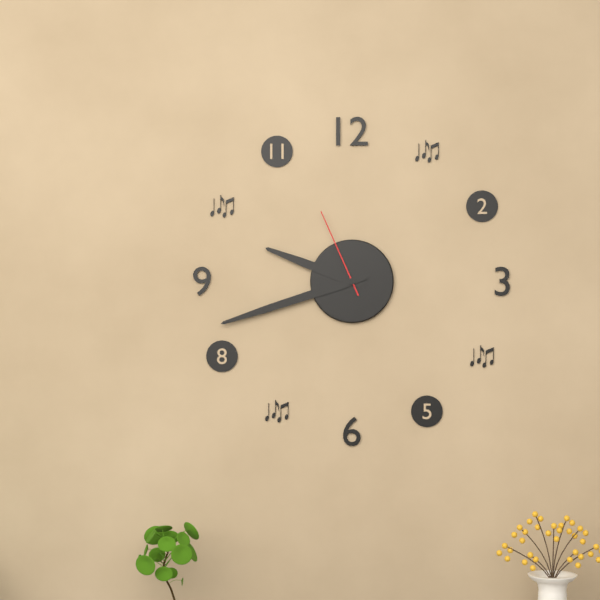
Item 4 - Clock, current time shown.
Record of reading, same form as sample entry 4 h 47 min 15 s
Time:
9 h 42 min 56 s
